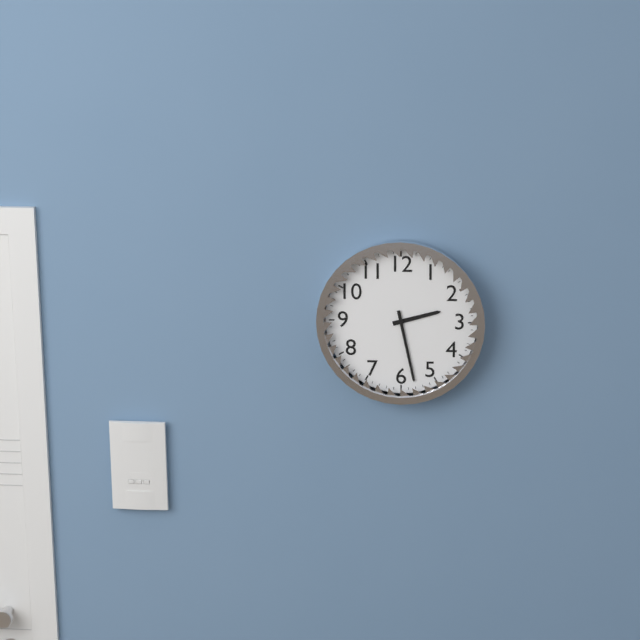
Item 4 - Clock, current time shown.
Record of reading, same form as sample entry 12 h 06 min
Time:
2 h 28 min
